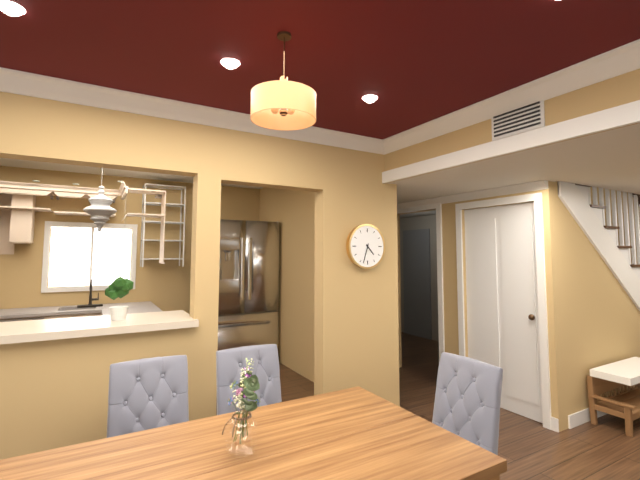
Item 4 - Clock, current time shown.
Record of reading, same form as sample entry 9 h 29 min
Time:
4 h 33 min
